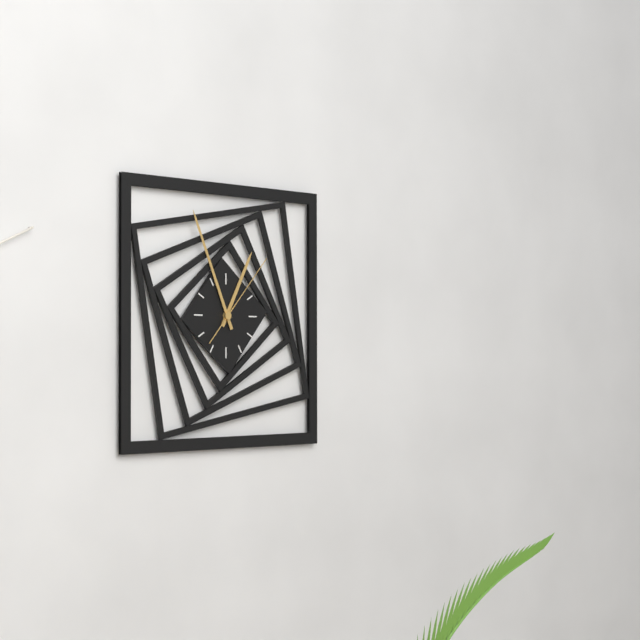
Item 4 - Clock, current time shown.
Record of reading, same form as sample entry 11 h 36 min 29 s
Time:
12 h 56 min 07 s
